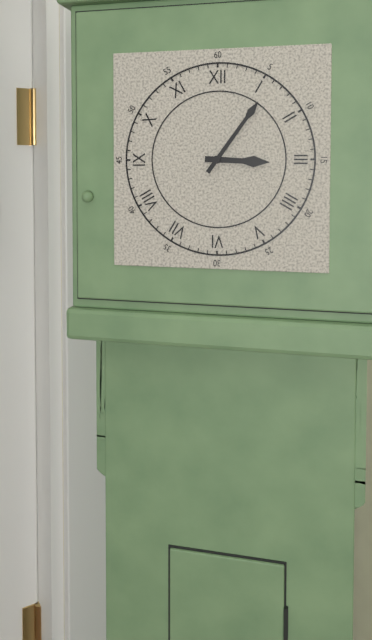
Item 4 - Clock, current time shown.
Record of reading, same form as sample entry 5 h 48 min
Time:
3 h 06 min
